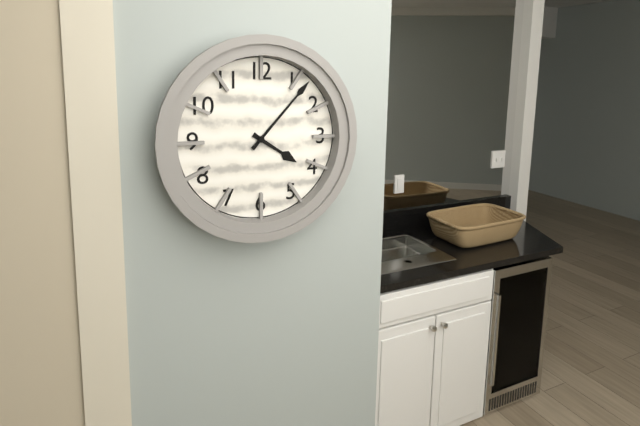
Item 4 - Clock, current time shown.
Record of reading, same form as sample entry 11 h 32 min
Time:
4 h 07 min
